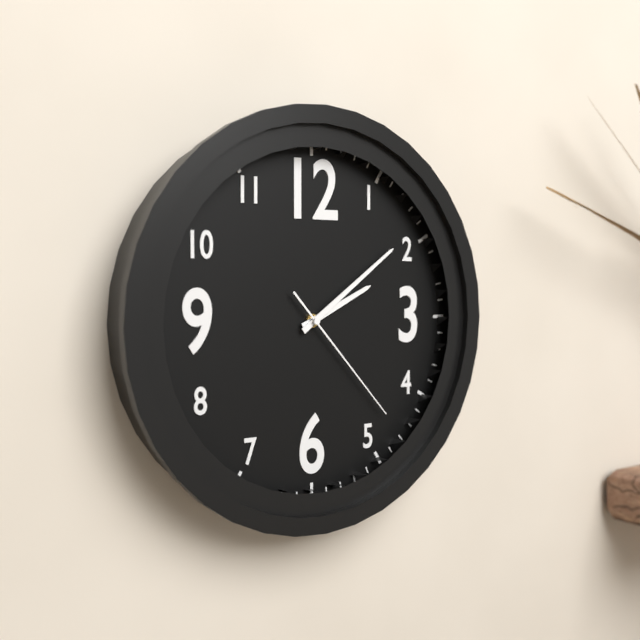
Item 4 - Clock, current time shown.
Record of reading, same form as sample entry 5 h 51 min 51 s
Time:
2 h 09 min 23 s
